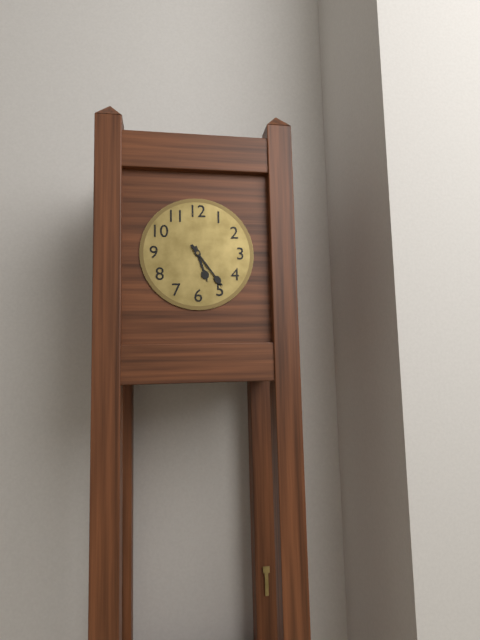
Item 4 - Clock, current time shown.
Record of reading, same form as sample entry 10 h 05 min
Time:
5 h 24 min
